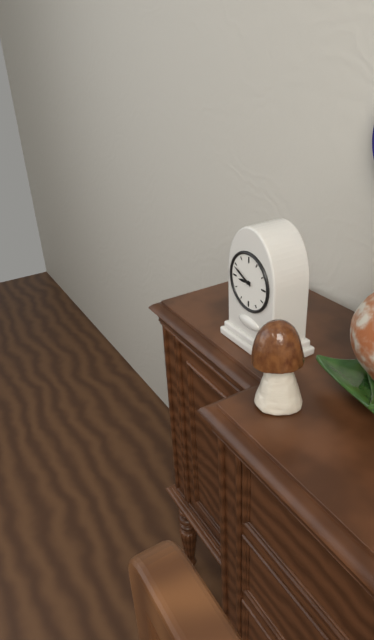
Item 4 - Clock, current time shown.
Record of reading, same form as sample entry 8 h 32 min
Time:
8 h 49 min
